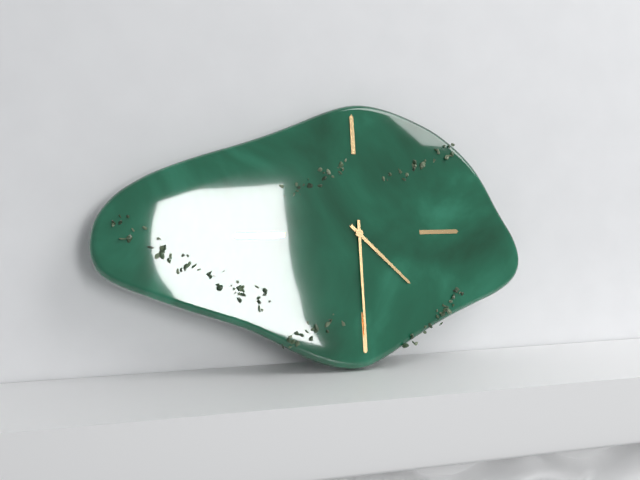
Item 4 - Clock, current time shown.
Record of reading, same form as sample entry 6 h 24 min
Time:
4 h 30 min
